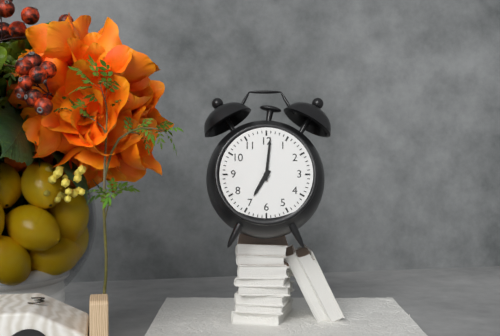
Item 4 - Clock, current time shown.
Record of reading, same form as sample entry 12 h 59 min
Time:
7 h 01 min
